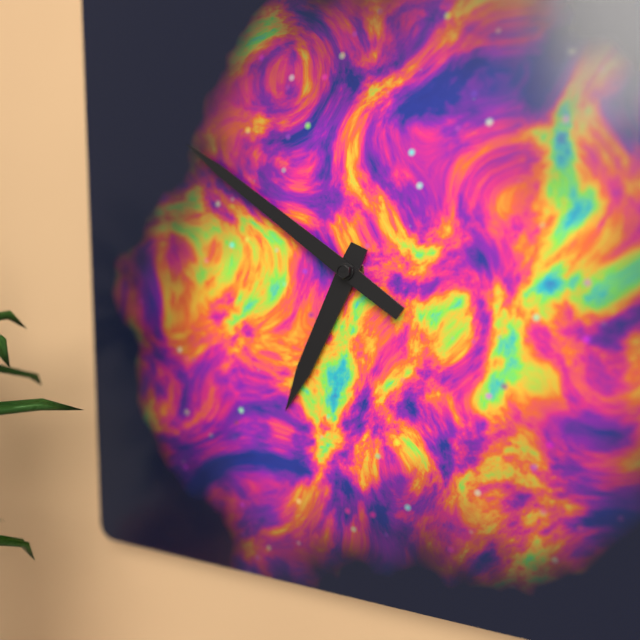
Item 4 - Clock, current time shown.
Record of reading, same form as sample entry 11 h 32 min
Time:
6 h 51 min
